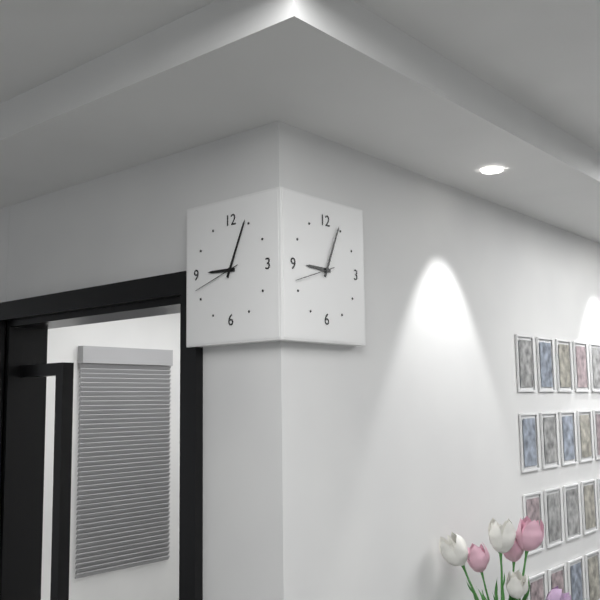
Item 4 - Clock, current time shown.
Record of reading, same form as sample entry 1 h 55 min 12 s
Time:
9 h 04 min 42 s
